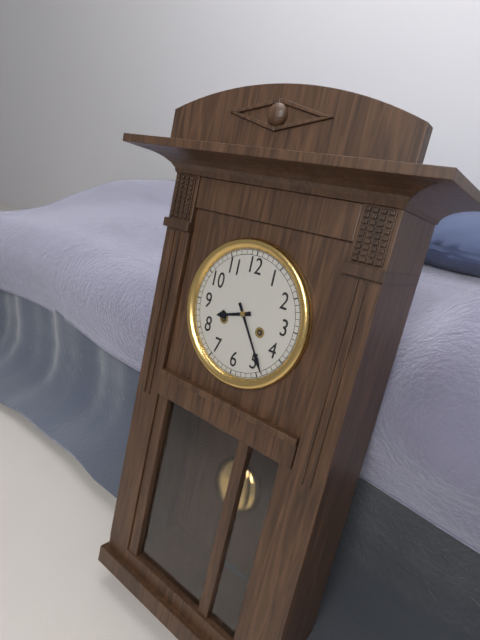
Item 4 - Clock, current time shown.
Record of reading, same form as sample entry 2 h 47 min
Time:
8 h 24 min
